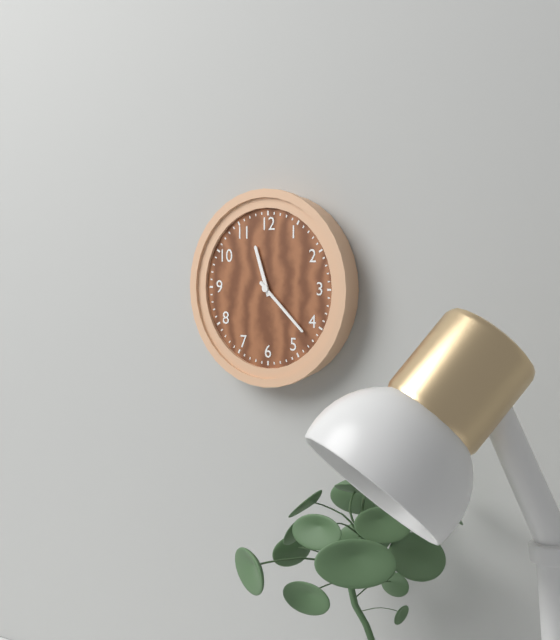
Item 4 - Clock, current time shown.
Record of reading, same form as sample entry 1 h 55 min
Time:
11 h 22 min
